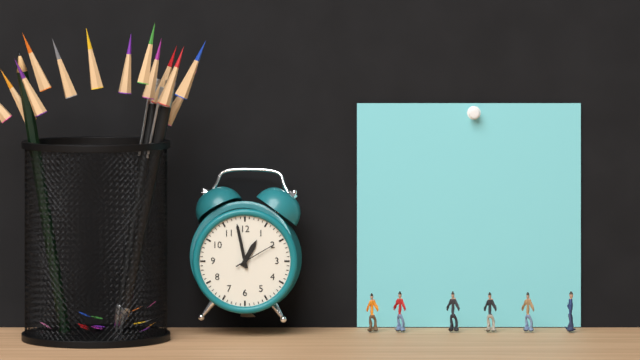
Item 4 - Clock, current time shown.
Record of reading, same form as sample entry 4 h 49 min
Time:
12 h 58 min
